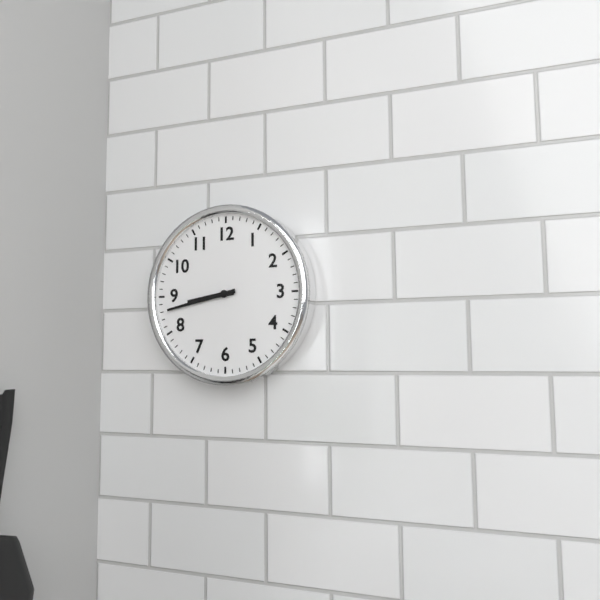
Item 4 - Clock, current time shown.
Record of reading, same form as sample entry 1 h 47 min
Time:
8 h 43 min
